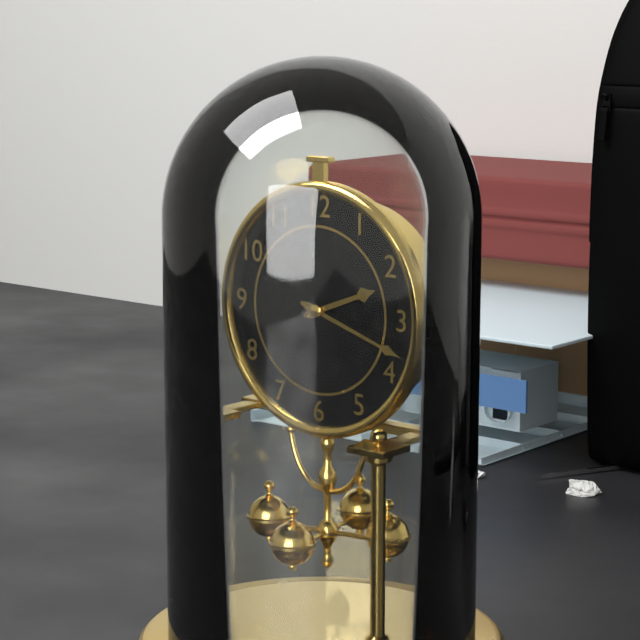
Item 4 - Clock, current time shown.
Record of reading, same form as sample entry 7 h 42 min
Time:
2 h 18 min
